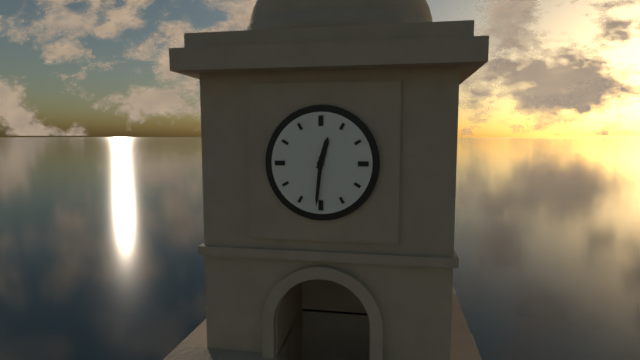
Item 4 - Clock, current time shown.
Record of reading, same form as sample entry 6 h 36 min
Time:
12 h 31 min
